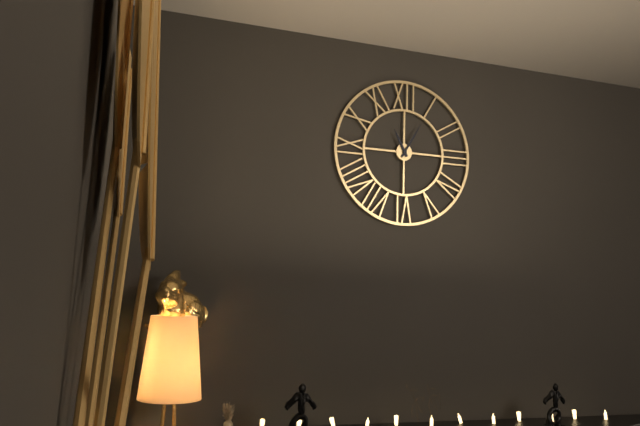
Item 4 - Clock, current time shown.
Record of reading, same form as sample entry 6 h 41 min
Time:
11 h 05 min
